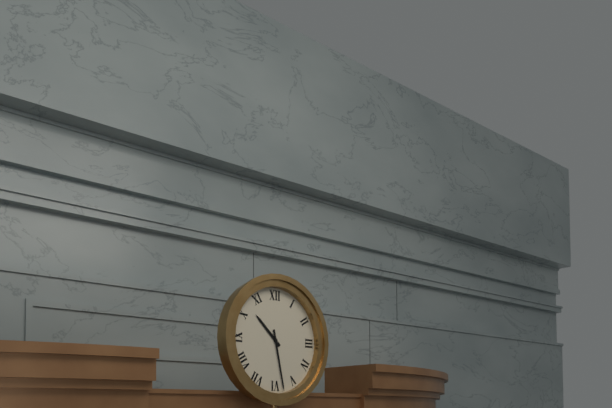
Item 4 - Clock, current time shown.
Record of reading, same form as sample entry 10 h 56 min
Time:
10 h 28 min
